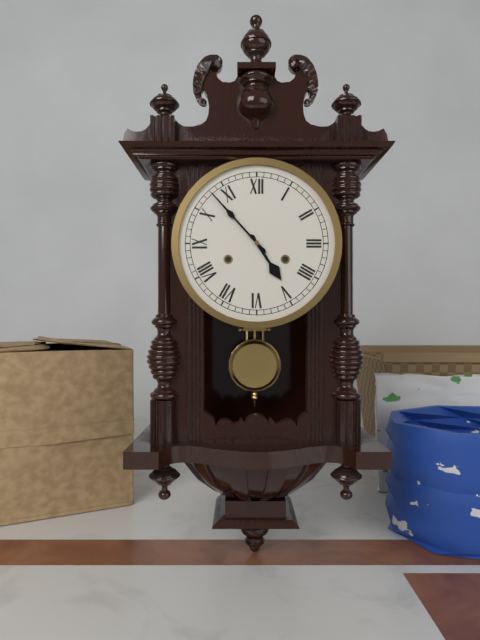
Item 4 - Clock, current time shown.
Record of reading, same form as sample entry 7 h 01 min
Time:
4 h 53 min
